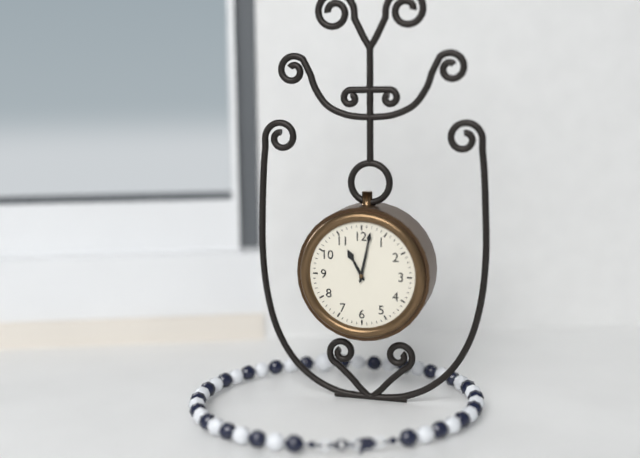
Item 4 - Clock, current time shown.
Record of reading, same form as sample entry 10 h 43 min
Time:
11 h 02 min
